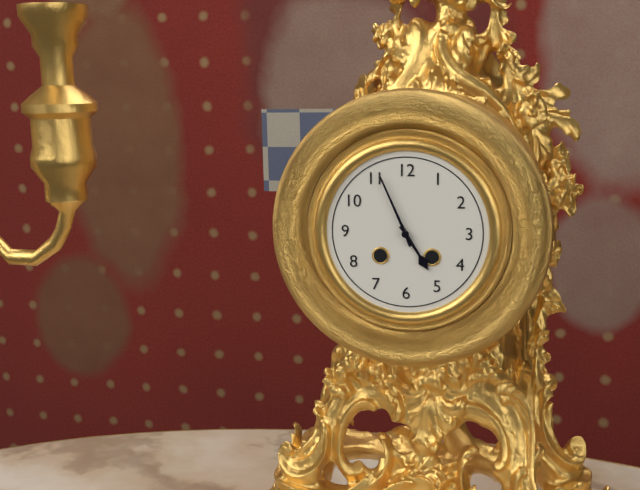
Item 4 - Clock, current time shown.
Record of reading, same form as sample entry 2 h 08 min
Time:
4 h 56 min
